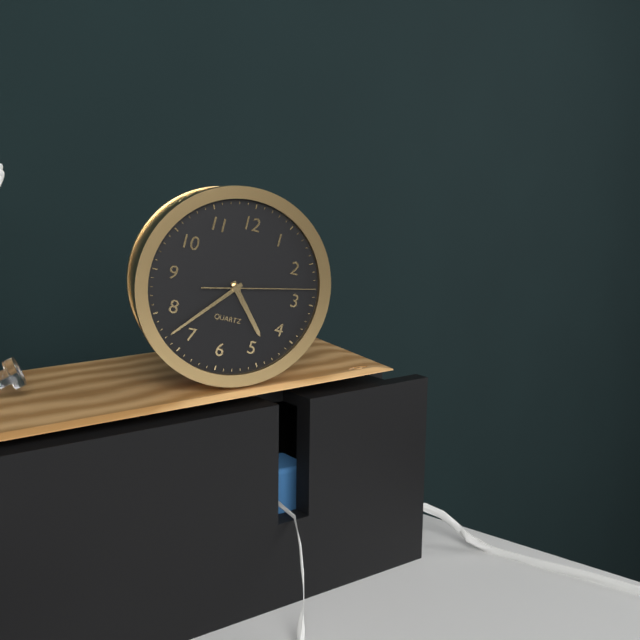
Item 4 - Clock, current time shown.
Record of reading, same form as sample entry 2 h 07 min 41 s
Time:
4 h 37 min 13 s
